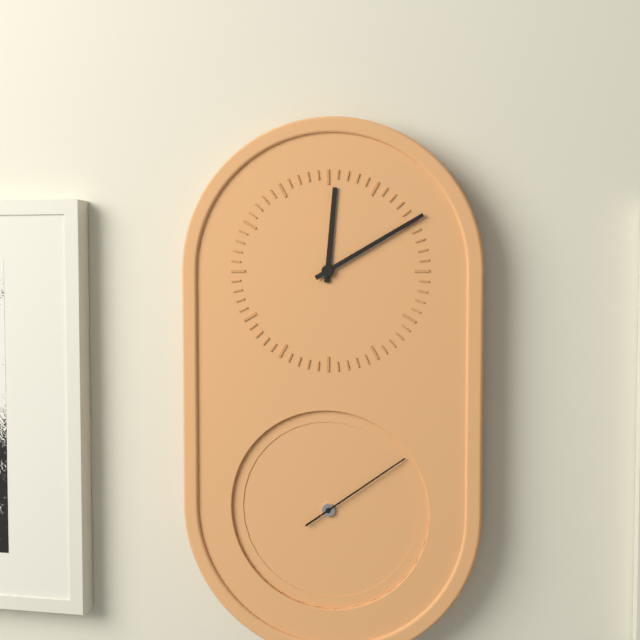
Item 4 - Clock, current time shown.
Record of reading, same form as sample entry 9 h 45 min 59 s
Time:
12 h 10 min 09 s
